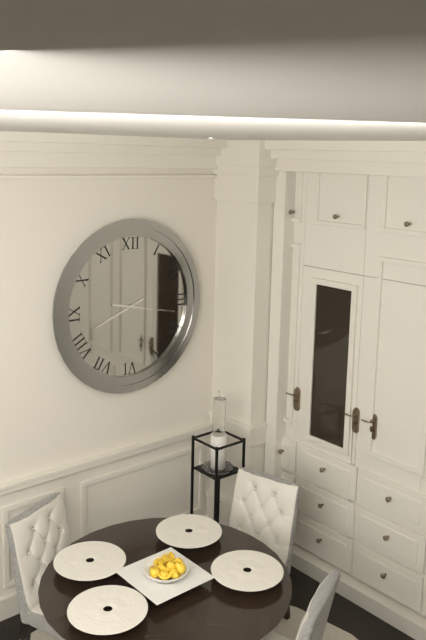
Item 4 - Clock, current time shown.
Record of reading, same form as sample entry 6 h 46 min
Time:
8 h 17 min
